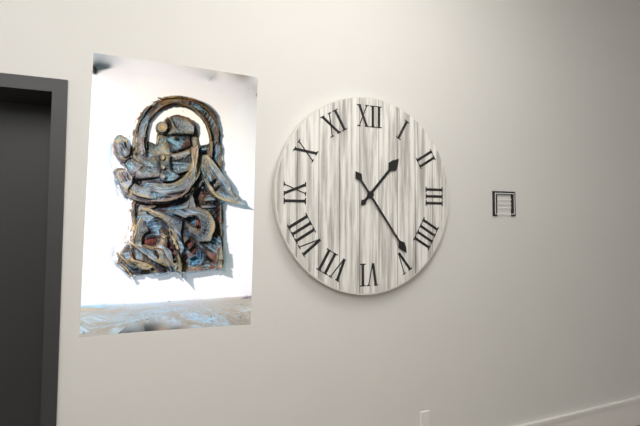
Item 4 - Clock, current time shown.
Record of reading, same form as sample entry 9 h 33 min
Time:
1 h 24 min
